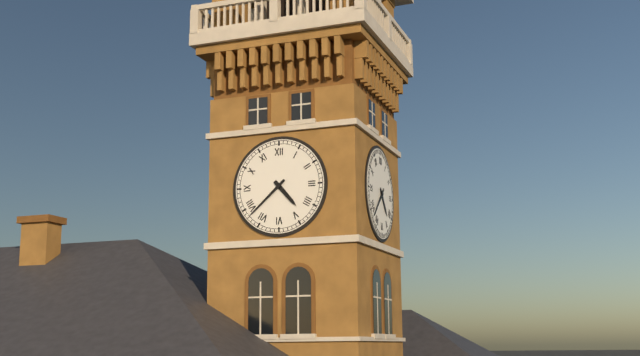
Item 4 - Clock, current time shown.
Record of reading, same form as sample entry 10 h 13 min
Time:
4 h 38 min
